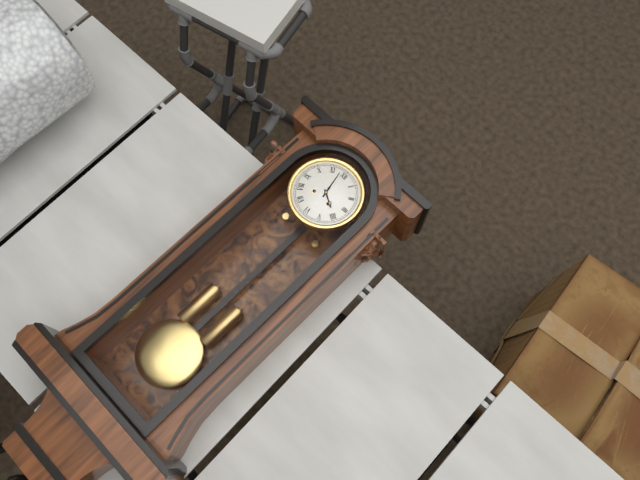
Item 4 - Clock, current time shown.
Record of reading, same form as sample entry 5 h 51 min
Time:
3 h 58 min
